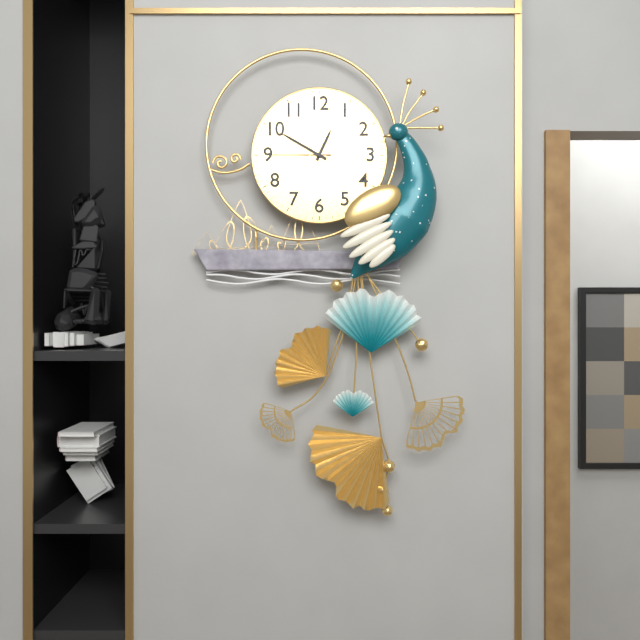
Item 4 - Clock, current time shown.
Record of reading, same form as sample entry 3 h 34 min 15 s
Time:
12 h 50 min 45 s
